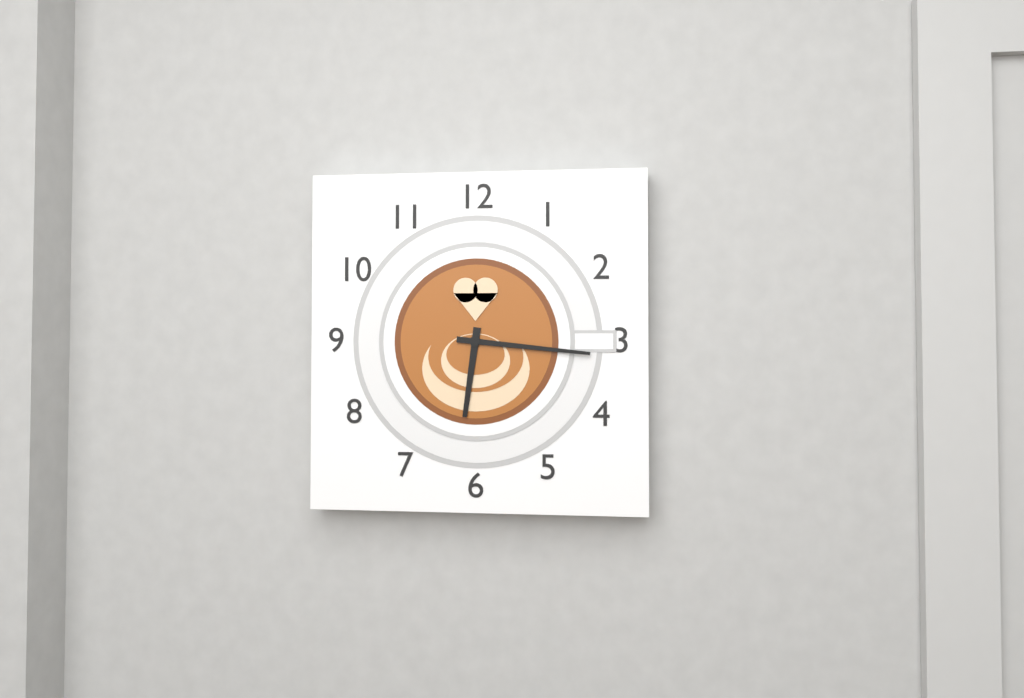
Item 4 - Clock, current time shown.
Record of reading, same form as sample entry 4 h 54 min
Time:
6 h 16 min
